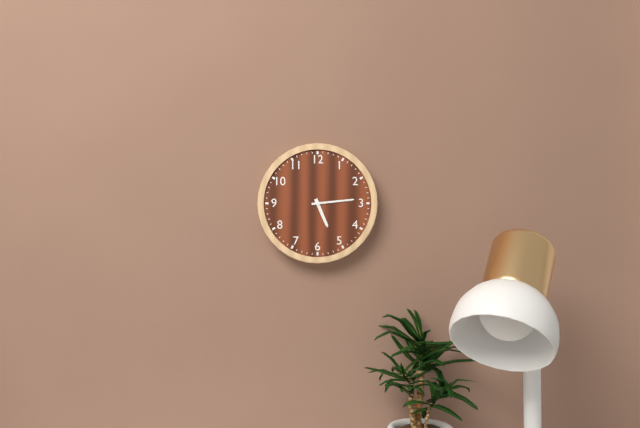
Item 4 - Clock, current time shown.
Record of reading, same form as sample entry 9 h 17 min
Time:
5 h 14 min
